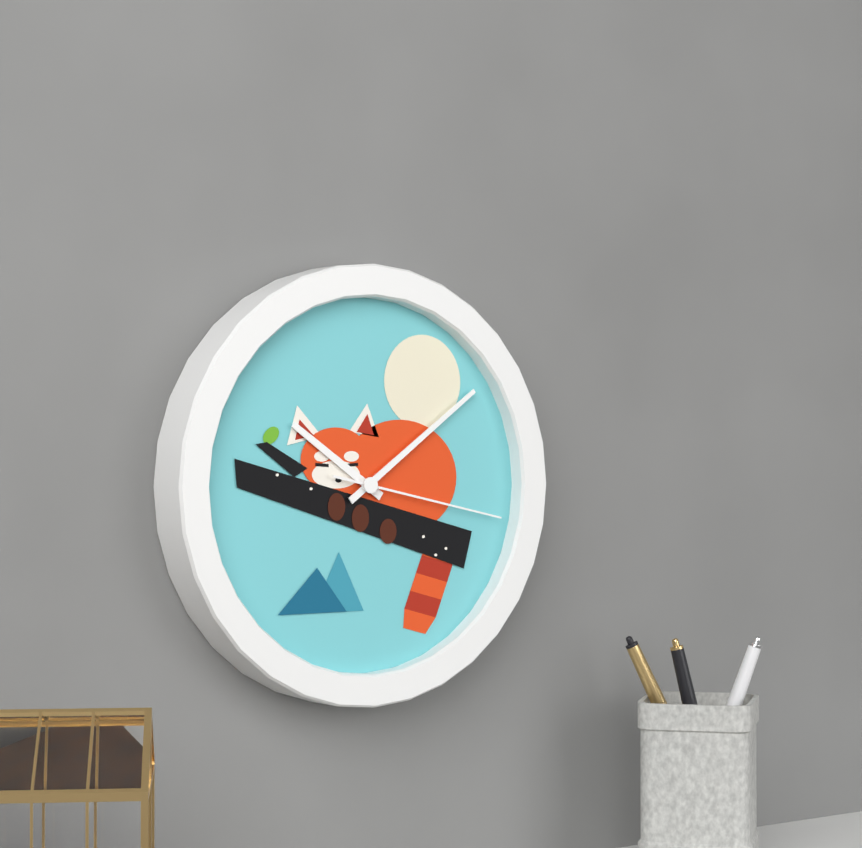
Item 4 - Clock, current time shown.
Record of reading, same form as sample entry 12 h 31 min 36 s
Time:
10 h 09 min 17 s
